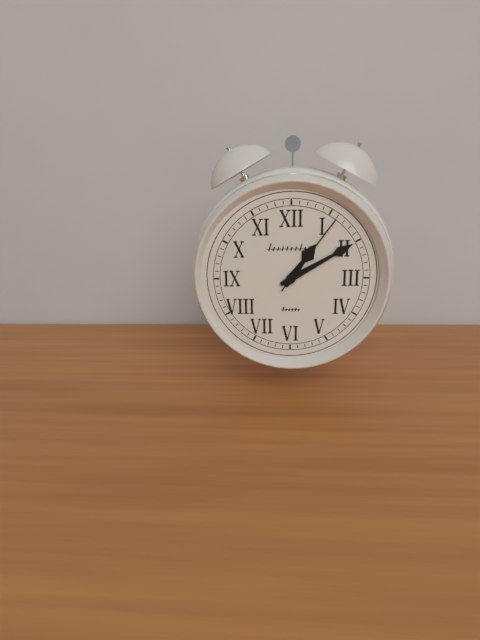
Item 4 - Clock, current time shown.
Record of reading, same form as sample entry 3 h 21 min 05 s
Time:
1 h 10 min 06 s
